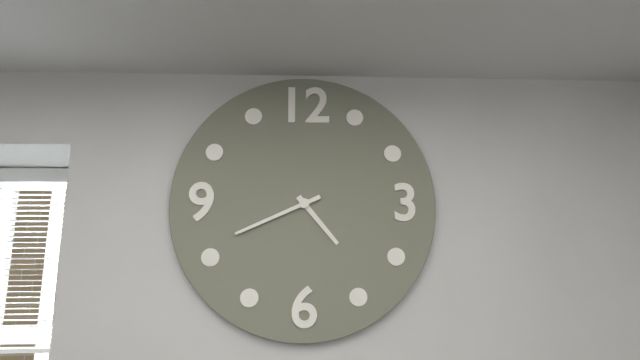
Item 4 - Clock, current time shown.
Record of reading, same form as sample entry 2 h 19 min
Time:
4 h 41 min
